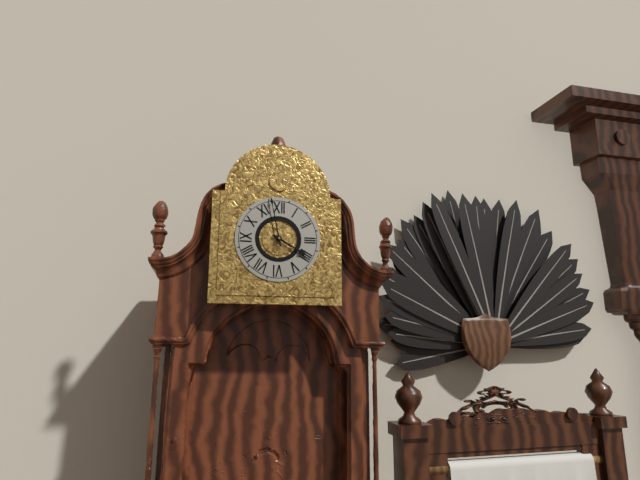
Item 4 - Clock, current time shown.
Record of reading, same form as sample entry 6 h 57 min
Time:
3 h 58 min
